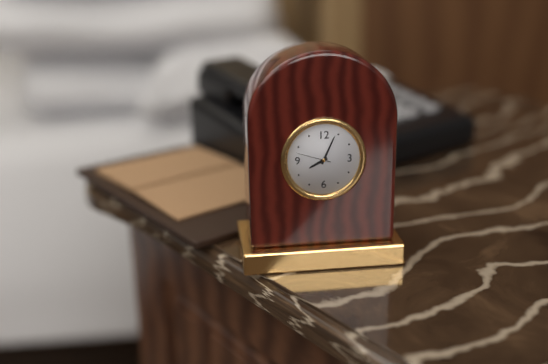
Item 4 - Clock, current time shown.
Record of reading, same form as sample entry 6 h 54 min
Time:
8 h 04 min
